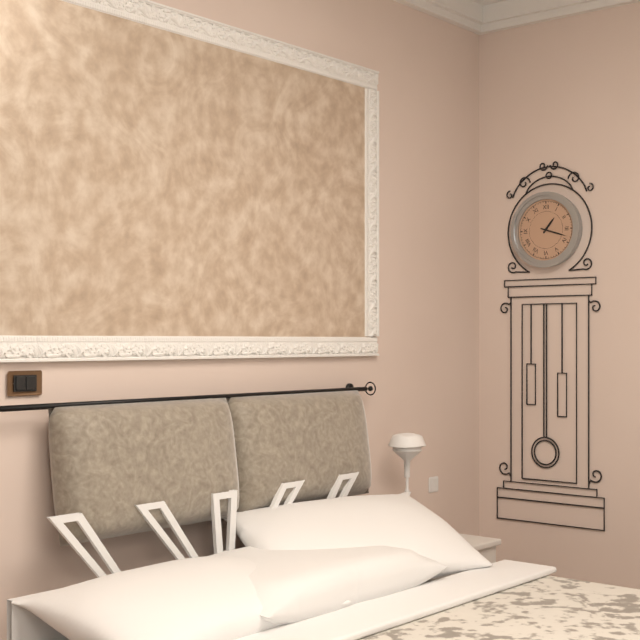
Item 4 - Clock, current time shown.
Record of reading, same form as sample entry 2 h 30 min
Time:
1 h 18 min
